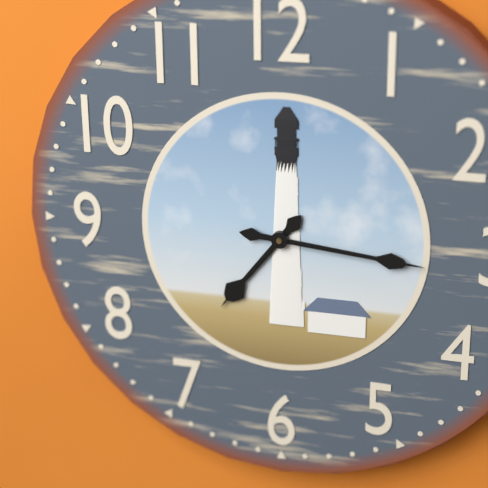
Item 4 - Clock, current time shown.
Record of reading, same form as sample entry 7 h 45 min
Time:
7 h 16 min
